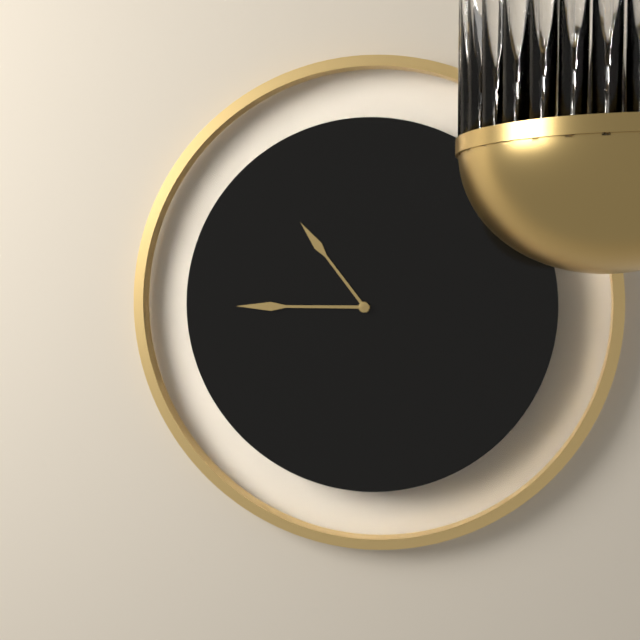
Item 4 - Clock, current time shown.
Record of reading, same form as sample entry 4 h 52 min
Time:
10 h 45 min
